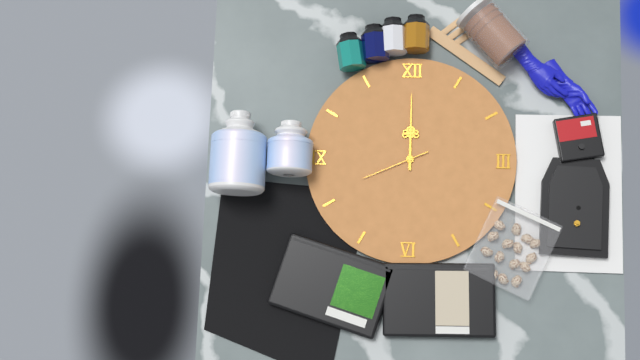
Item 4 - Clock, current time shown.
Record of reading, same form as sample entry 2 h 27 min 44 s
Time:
12 h 00 min 41 s
